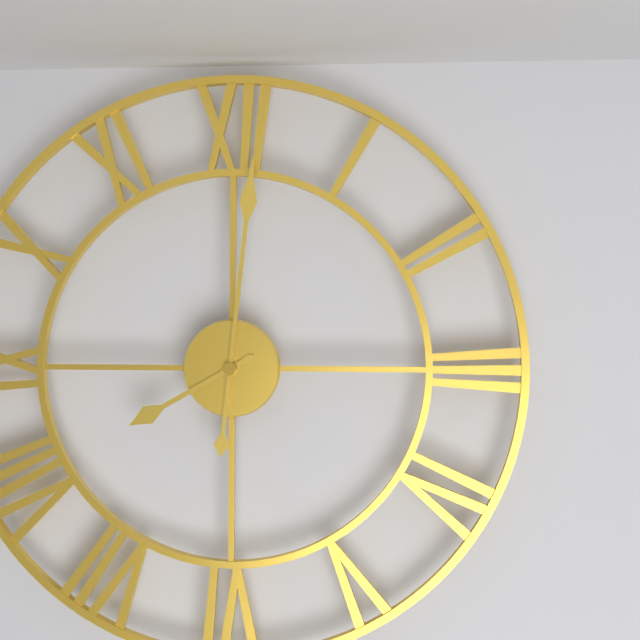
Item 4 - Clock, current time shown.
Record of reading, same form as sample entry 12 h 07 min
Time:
8 h 01 min
